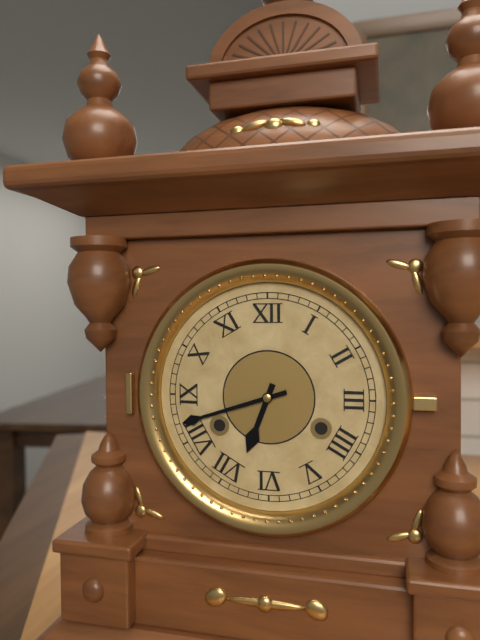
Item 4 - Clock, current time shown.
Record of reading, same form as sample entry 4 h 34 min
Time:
6 h 42 min
